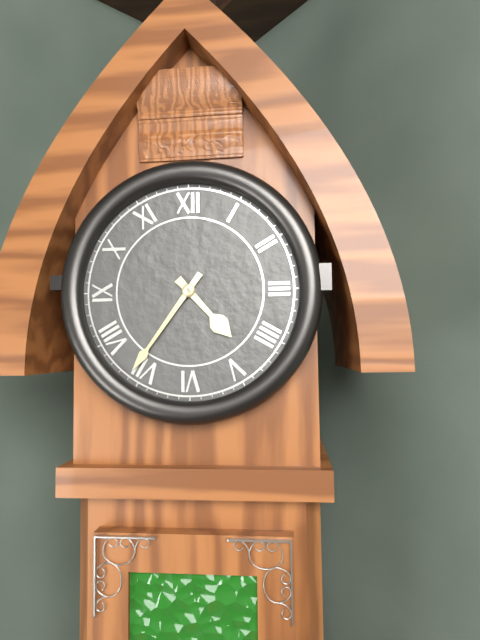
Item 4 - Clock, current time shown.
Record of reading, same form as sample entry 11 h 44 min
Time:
4 h 36 min
